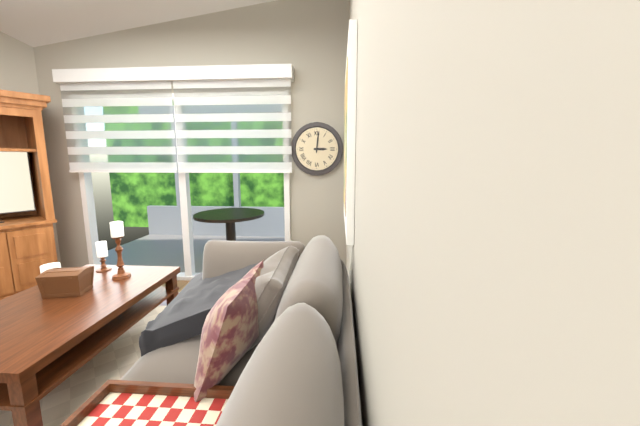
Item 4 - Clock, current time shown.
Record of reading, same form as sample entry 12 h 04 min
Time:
3 h 01 min
